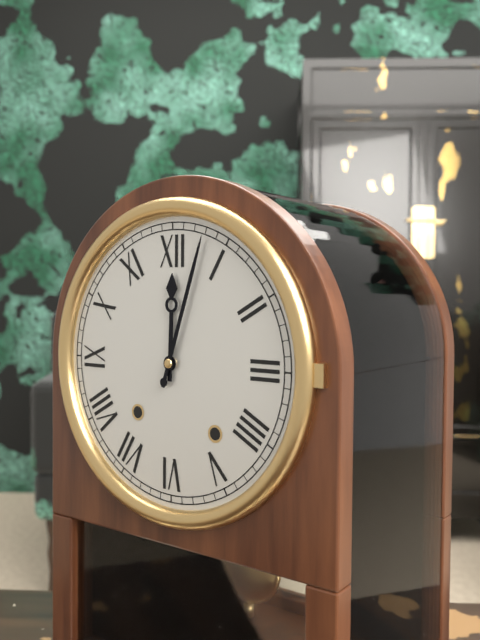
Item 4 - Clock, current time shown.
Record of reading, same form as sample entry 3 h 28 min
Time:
12 h 03 min
